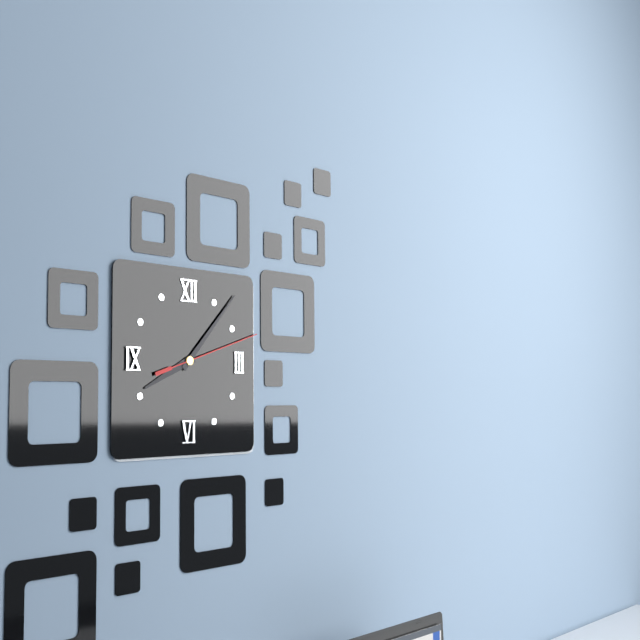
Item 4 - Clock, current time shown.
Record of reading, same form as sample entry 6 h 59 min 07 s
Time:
8 h 07 min 12 s
